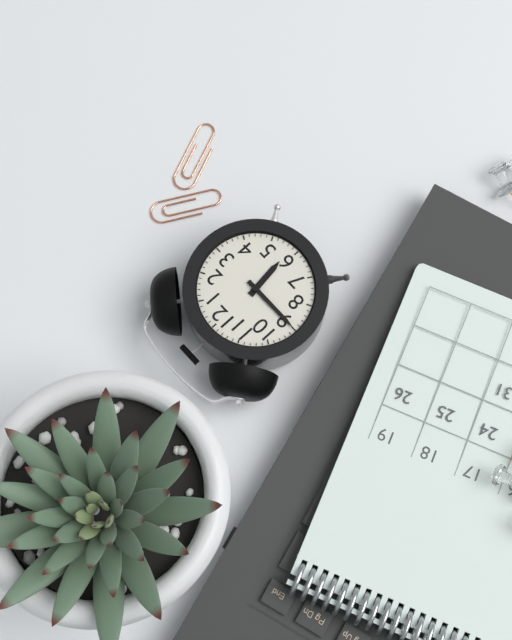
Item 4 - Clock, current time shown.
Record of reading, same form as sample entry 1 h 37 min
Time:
5 h 45 min
